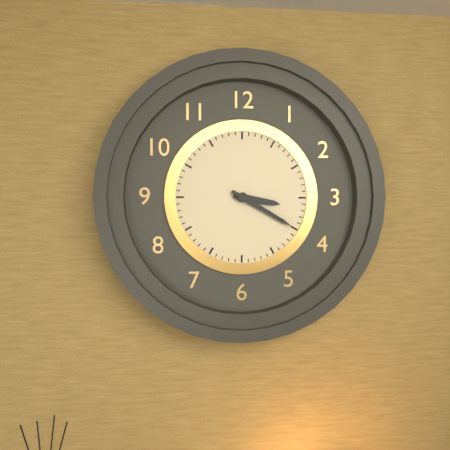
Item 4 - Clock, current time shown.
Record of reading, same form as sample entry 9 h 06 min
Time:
3 h 20 min
